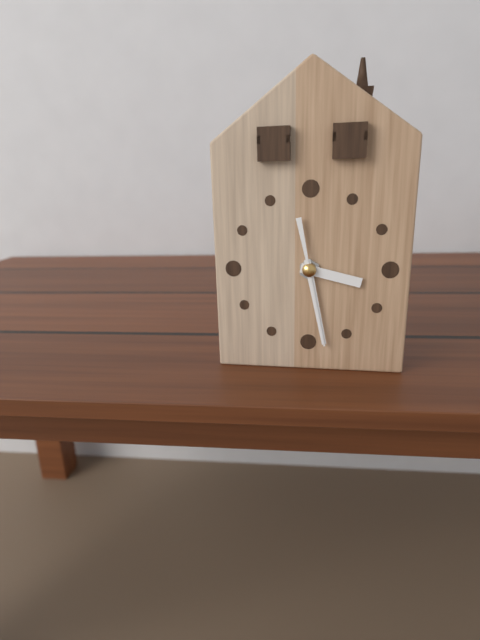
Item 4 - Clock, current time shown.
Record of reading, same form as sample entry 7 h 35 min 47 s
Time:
3 h 28 min 28 s
